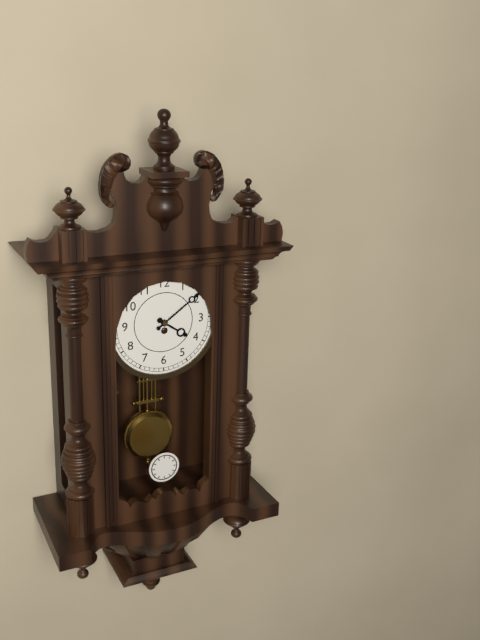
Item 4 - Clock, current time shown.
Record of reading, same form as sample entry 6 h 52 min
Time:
4 h 09 min
